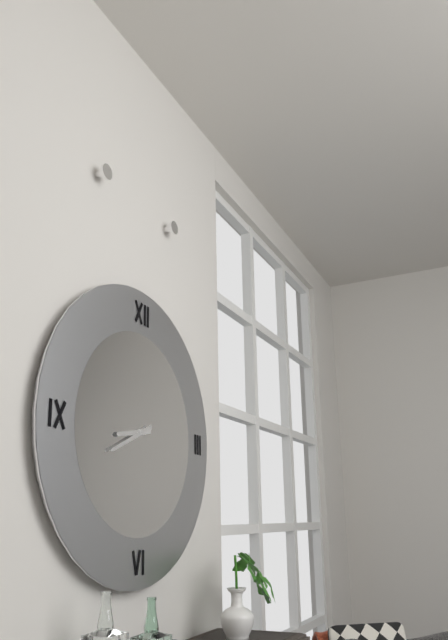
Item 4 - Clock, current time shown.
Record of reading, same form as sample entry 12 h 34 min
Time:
8 h 41 min
